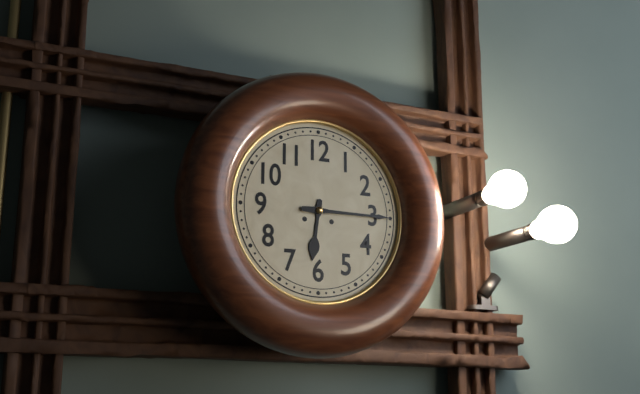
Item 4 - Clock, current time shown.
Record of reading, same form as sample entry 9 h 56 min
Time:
6 h 15 min
